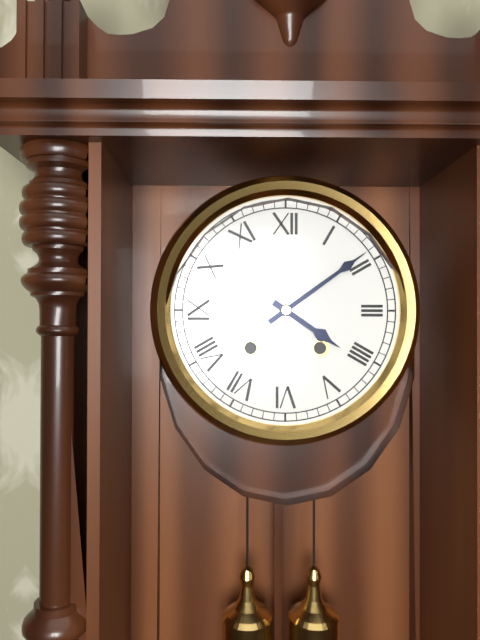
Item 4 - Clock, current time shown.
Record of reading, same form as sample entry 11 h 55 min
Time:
4 h 09 min
